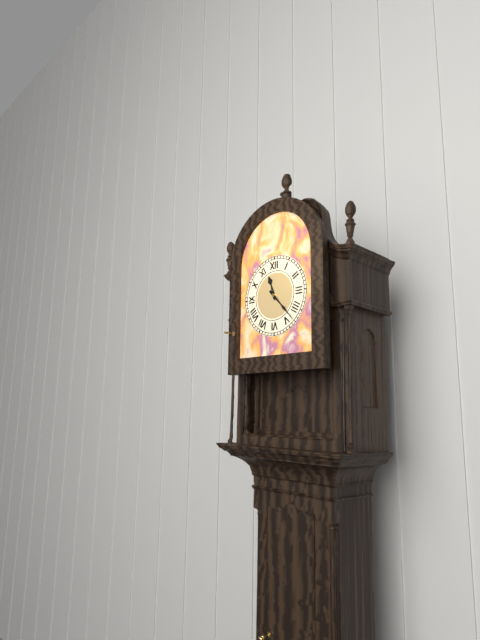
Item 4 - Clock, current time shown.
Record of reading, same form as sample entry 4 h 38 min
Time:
11 h 23 min
